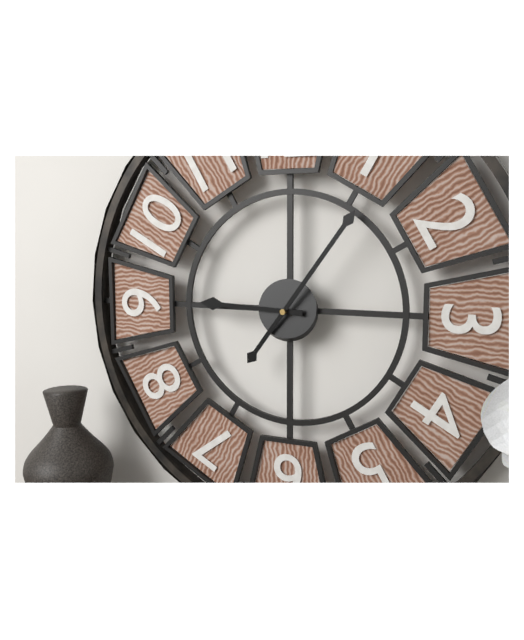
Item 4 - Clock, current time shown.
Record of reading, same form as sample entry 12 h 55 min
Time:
9 h 06 min
